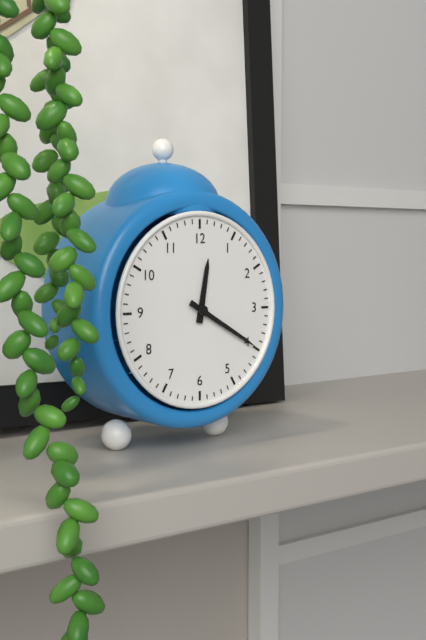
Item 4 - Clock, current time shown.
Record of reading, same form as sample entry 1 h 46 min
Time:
12 h 20 min
